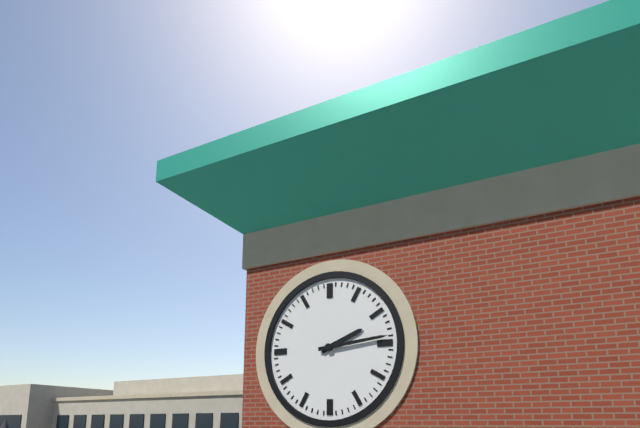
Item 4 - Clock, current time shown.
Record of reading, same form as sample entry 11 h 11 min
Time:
2 h 14 min
